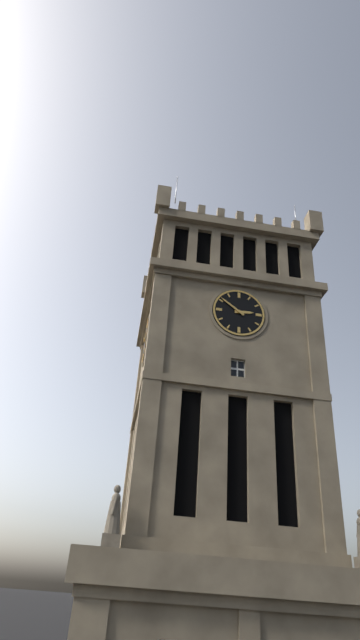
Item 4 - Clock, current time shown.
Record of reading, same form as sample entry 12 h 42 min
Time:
2 h 51 min
